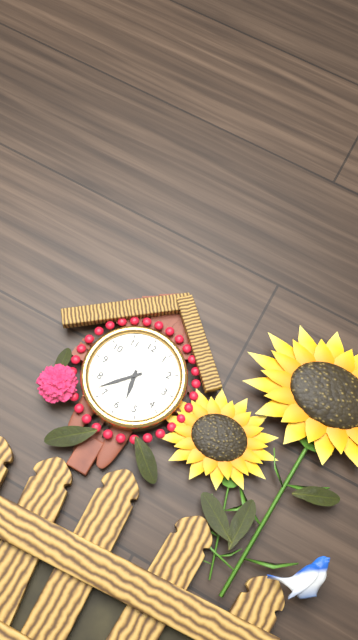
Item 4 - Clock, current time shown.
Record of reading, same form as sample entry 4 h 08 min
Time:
5 h 37 min
